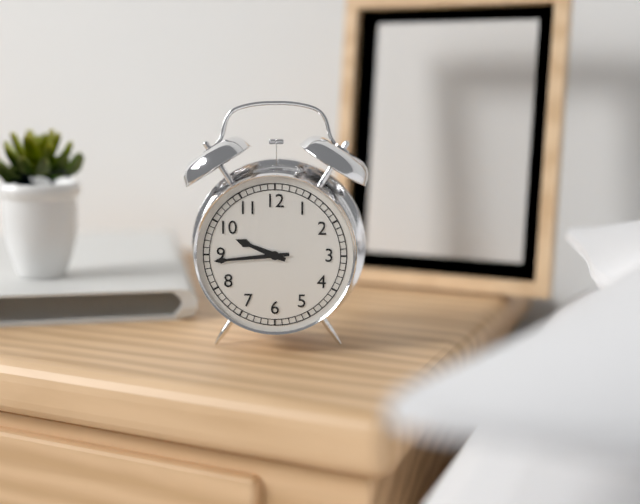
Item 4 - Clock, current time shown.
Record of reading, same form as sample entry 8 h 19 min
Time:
9 h 44 min
